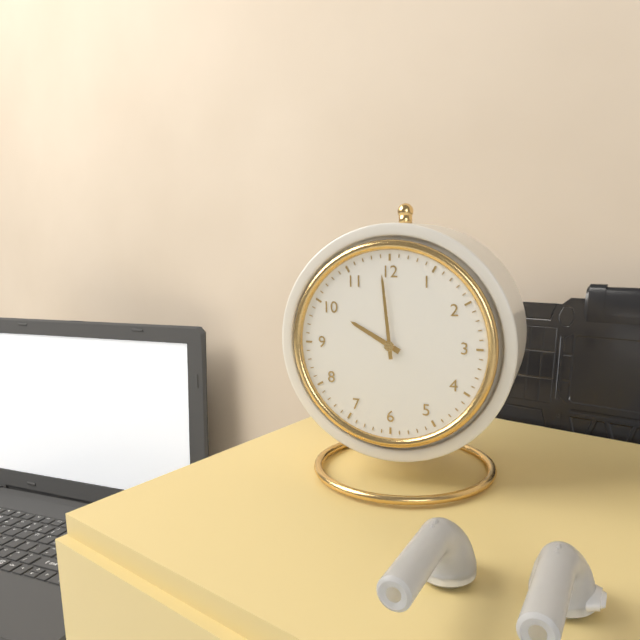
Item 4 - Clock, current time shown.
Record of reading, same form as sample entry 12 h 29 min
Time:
9 h 59 min
